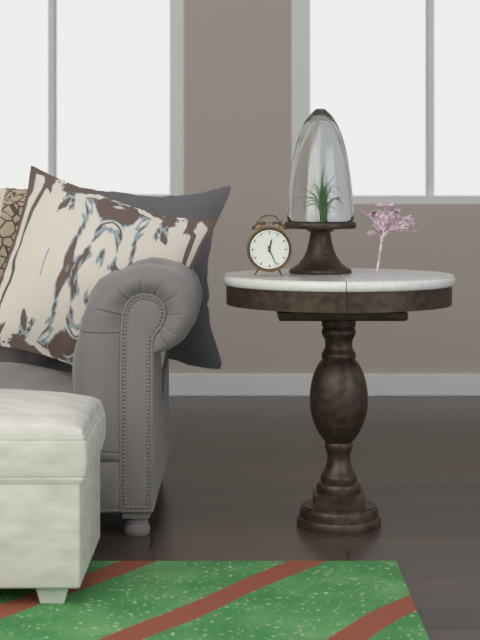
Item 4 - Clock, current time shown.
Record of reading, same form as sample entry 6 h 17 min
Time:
12 h 26 min
